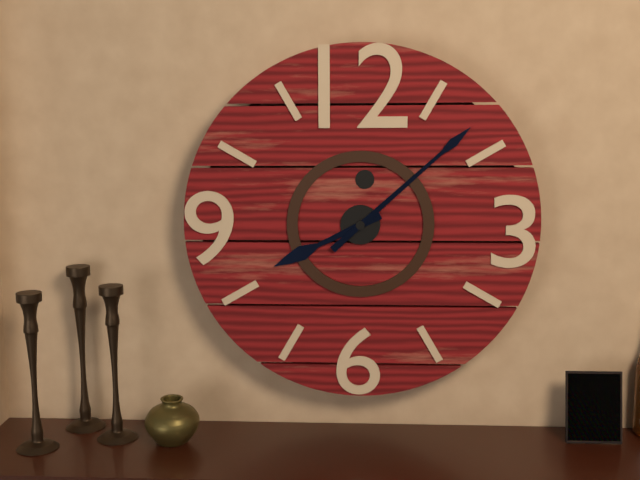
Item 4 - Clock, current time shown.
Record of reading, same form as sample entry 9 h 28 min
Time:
8 h 08 min
